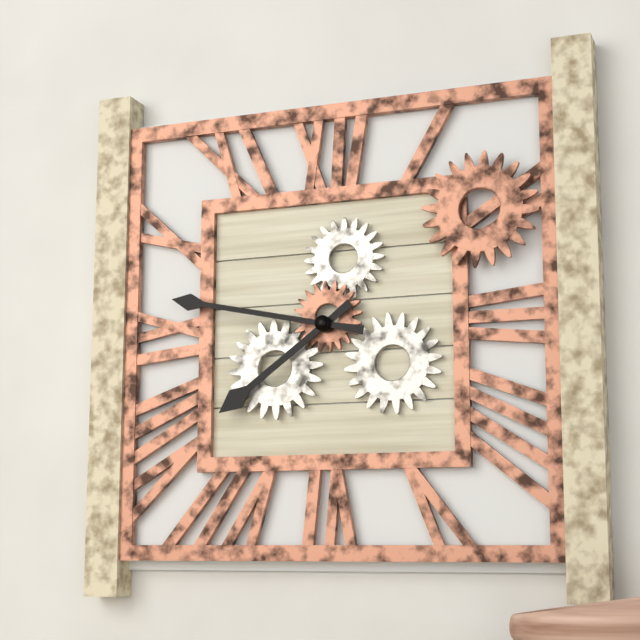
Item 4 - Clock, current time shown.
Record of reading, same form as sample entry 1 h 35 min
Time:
7 h 47 min
